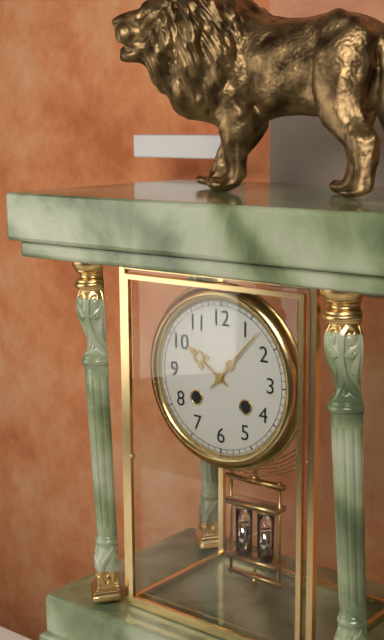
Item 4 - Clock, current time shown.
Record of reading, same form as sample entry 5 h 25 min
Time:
10 h 07 min
